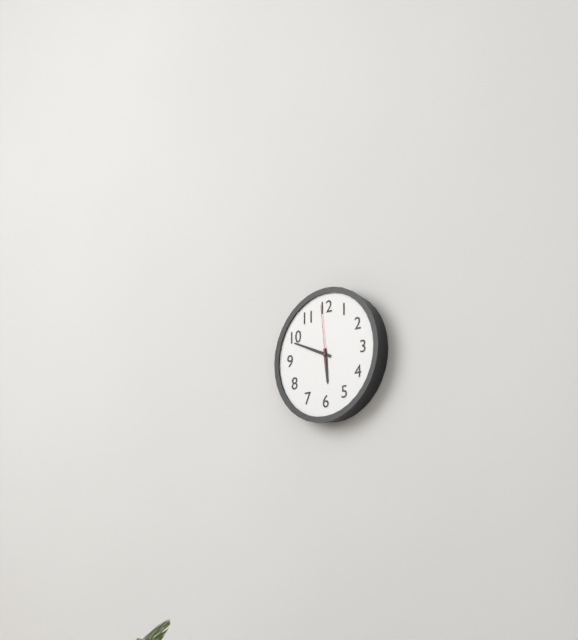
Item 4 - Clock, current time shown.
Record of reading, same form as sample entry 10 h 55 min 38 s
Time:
5 h 49 min 59 s
